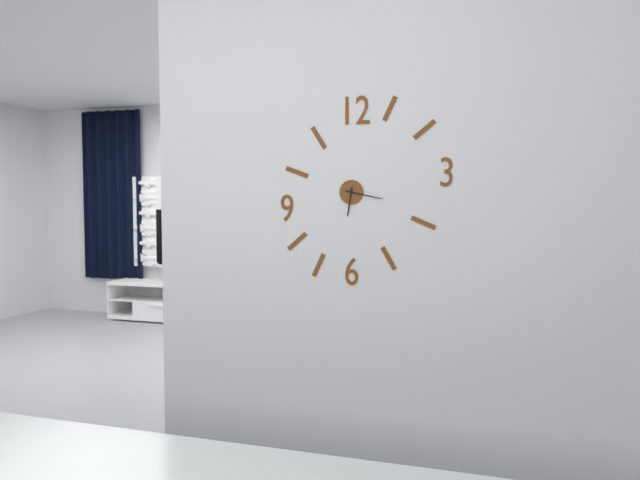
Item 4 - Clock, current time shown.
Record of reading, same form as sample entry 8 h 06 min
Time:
6 h 17 min
